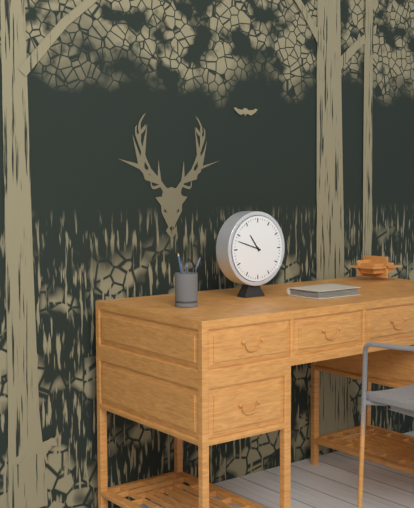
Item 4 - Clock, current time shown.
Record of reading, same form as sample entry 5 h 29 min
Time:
10 h 48 min
